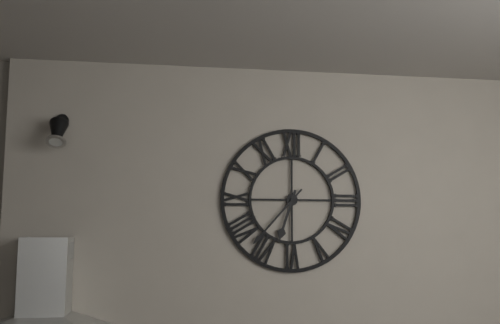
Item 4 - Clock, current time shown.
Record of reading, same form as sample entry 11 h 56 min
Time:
6 h 37 min
